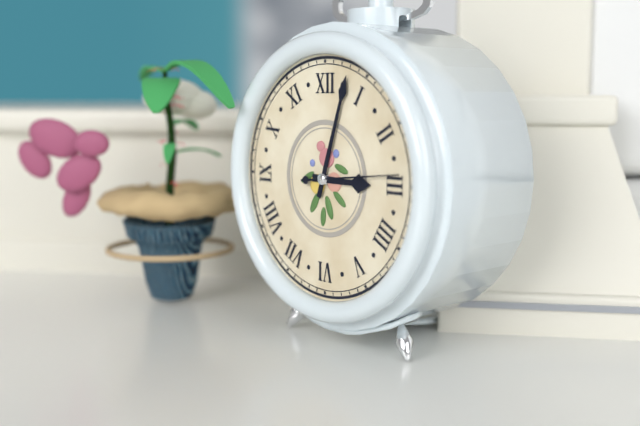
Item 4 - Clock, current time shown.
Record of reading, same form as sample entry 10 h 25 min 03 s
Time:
3 h 03 min 14 s
